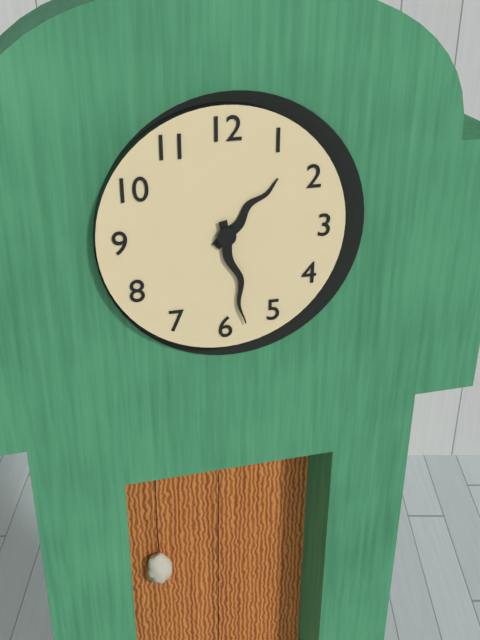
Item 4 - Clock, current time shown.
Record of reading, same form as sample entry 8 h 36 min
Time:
1 h 28 min
